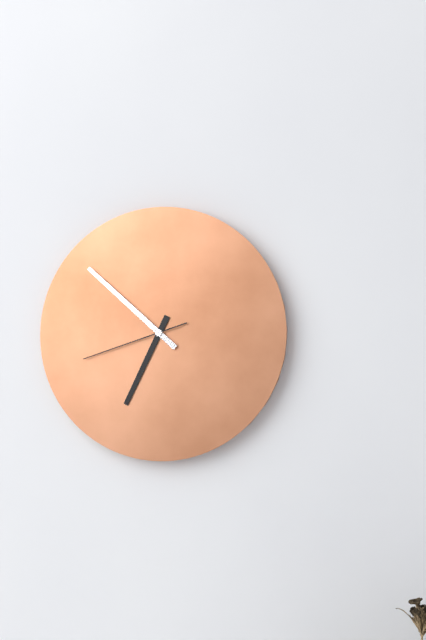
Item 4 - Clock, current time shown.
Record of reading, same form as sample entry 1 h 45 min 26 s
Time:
6 h 52 min 42 s
